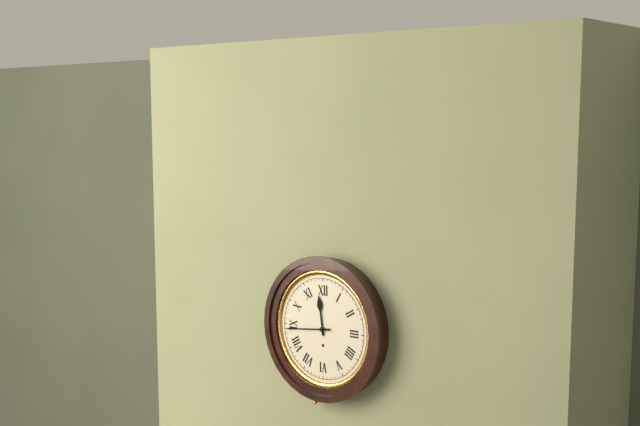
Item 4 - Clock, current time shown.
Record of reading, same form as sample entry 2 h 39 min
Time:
11 h 44 min
